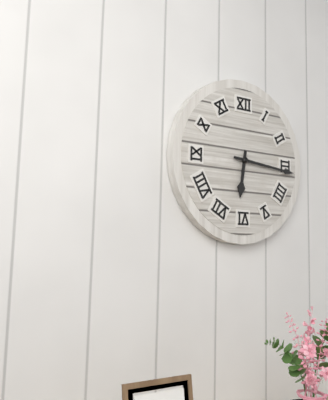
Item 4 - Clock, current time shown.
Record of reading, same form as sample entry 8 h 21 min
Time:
6 h 16 min
